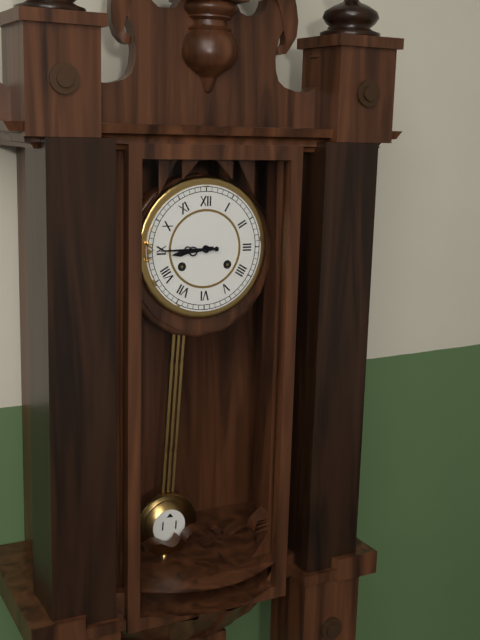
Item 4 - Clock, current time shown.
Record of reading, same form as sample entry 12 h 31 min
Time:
8 h 45 min
